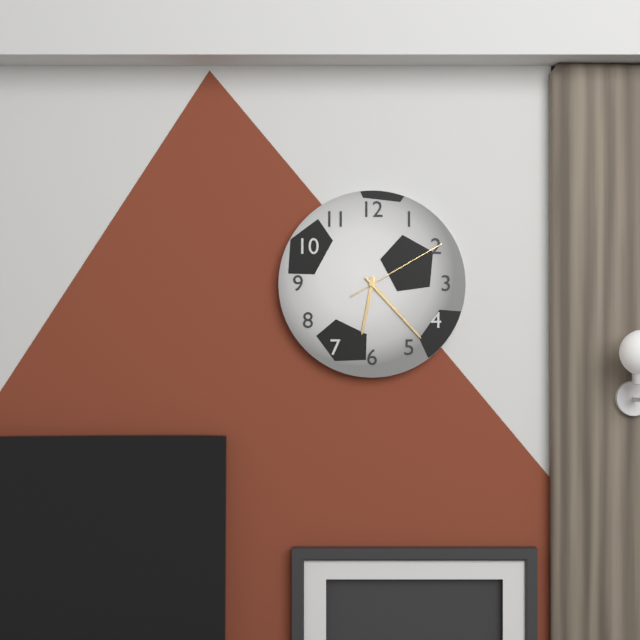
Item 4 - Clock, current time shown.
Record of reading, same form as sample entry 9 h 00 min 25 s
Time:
6 h 23 min 10 s
